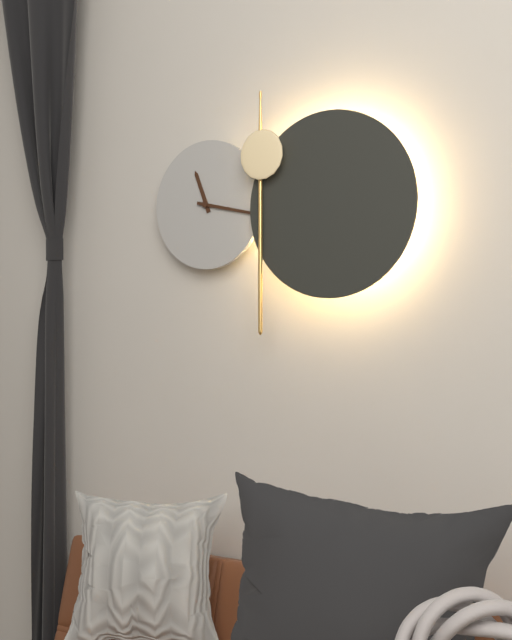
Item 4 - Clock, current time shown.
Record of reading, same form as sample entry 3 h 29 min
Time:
11 h 17 min
